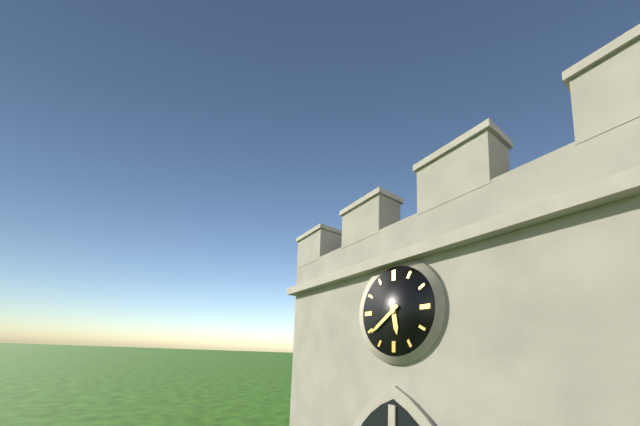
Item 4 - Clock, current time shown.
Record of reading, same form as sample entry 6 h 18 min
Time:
5 h 39 min
